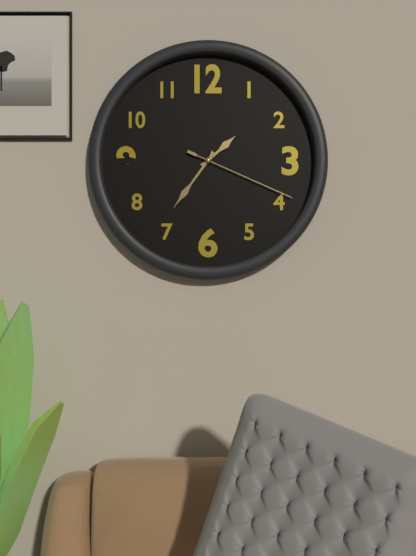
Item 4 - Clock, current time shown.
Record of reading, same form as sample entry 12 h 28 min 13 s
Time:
1 h 36 min 19 s
